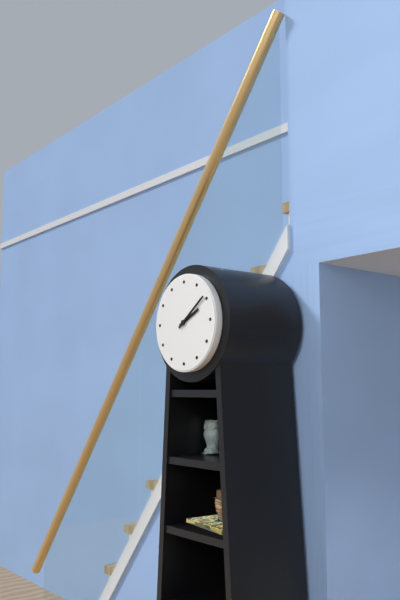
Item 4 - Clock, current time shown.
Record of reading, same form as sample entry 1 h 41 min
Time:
2 h 09 min
